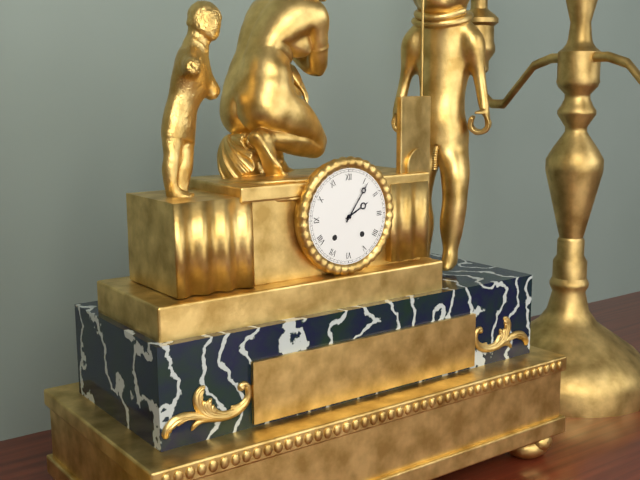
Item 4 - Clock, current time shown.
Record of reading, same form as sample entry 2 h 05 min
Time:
2 h 06 min
